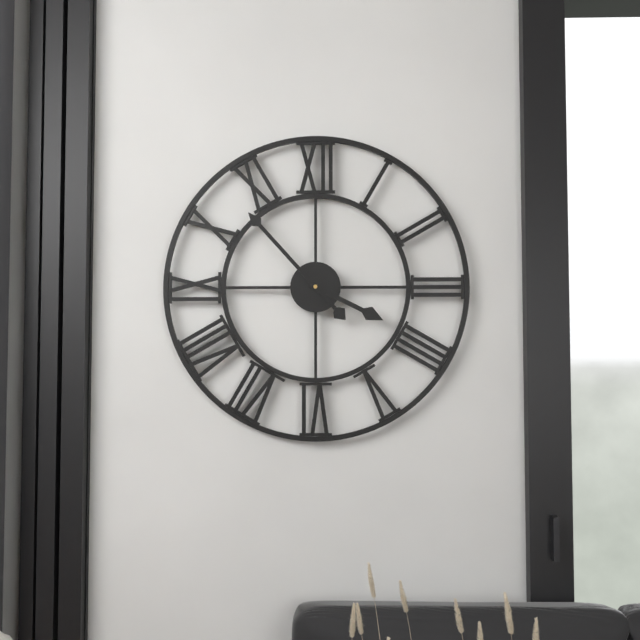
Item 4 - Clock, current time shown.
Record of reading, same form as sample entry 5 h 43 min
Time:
3 h 53 min
